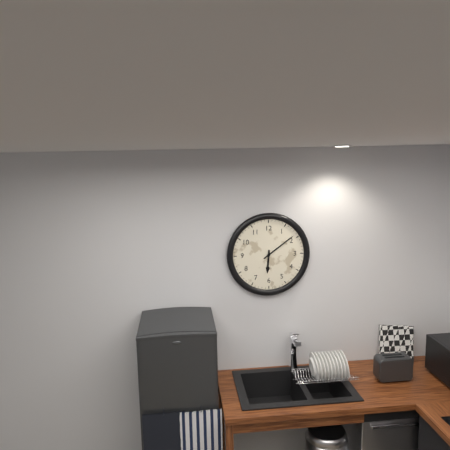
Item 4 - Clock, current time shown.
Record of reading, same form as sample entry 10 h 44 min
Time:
6 h 09 min
